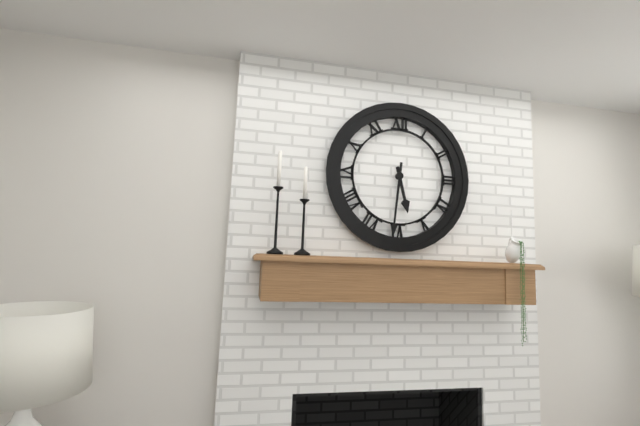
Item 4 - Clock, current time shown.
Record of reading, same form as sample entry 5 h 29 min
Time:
5 h 31 min
